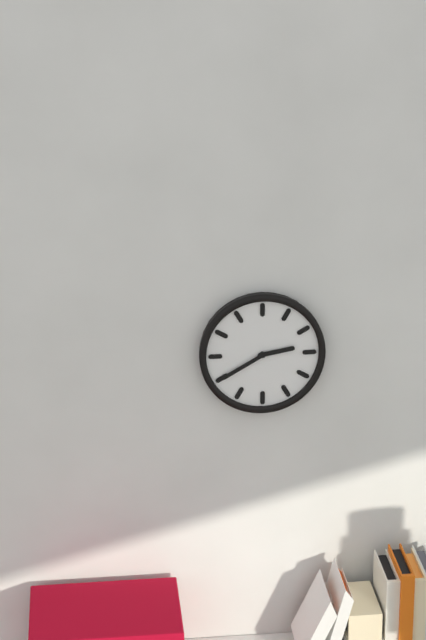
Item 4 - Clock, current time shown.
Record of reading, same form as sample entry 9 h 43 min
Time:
2 h 40 min
